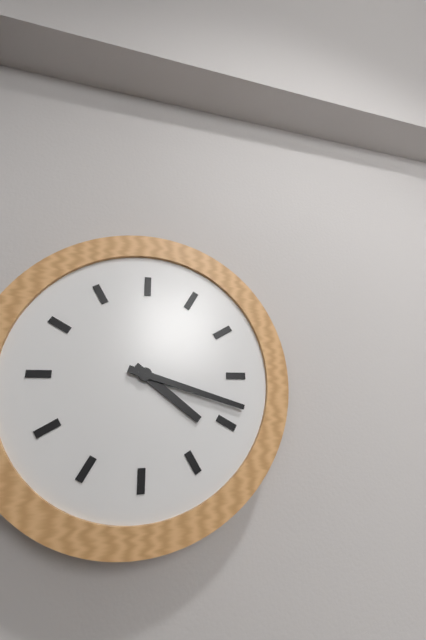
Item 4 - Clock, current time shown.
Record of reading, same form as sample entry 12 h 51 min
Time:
4 h 18 min
